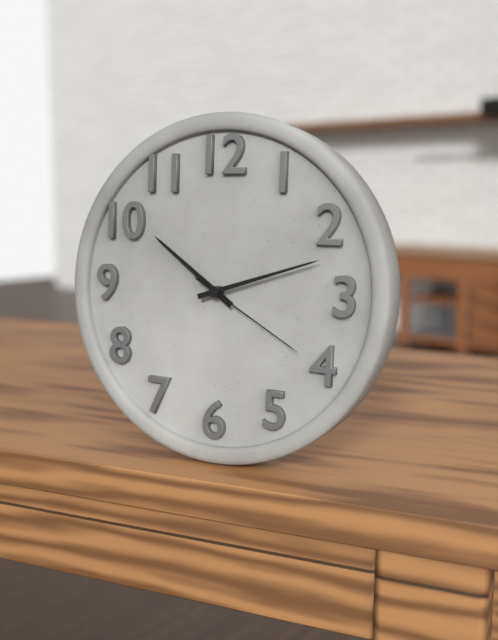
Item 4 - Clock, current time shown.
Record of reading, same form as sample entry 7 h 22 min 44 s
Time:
10 h 12 min 20 s
